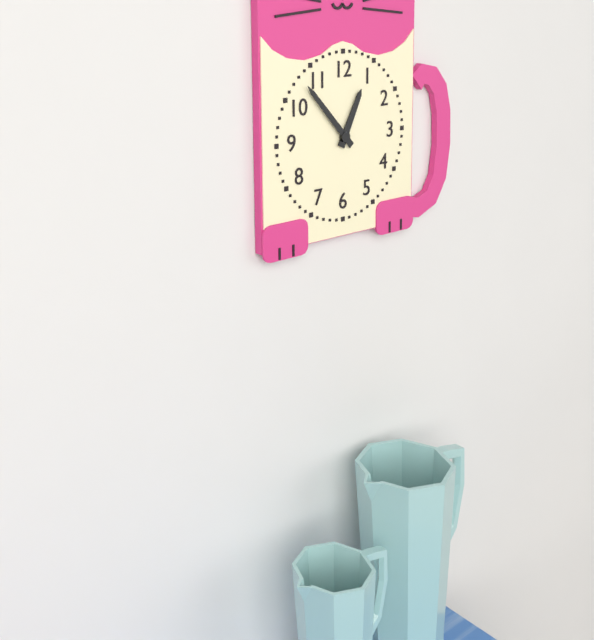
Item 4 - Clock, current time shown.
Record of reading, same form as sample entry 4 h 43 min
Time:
12 h 53 min
